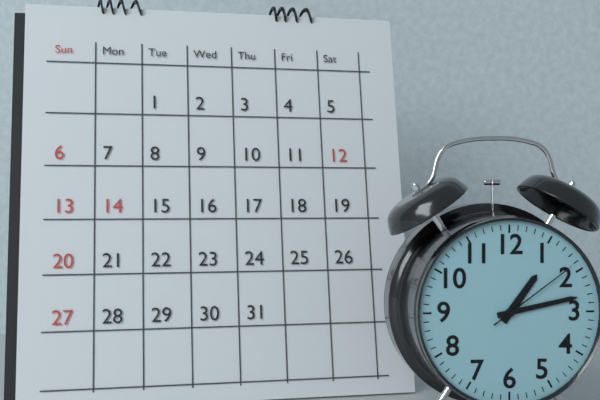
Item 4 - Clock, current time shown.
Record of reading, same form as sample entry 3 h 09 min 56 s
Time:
1 h 13 min 09 s
